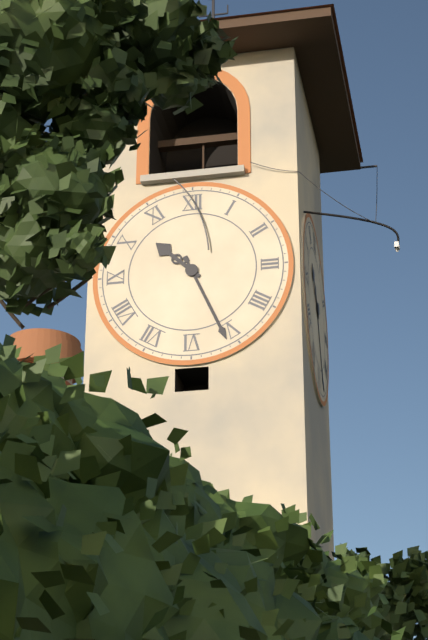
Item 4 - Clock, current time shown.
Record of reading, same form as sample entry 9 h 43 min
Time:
10 h 26 min
